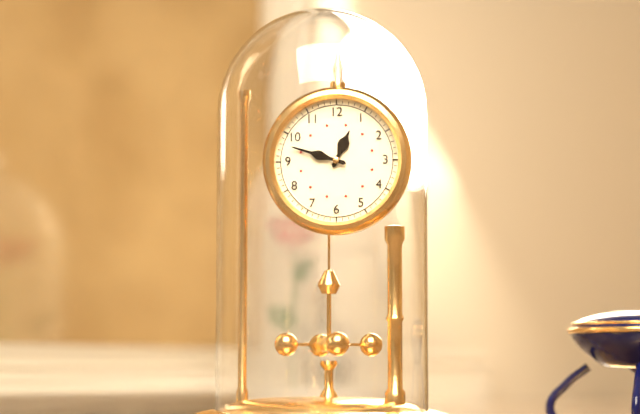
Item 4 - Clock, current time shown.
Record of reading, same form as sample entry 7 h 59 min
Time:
12 h 48 min
